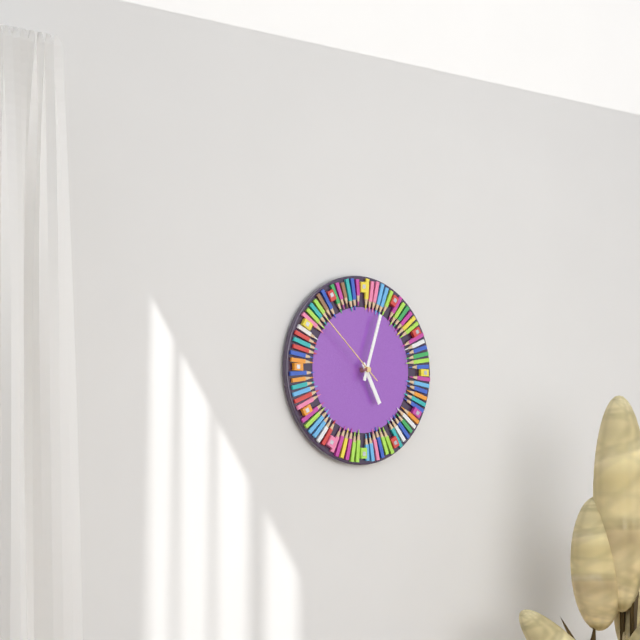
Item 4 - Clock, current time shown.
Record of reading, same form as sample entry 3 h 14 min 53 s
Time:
5 h 03 min 52 s
